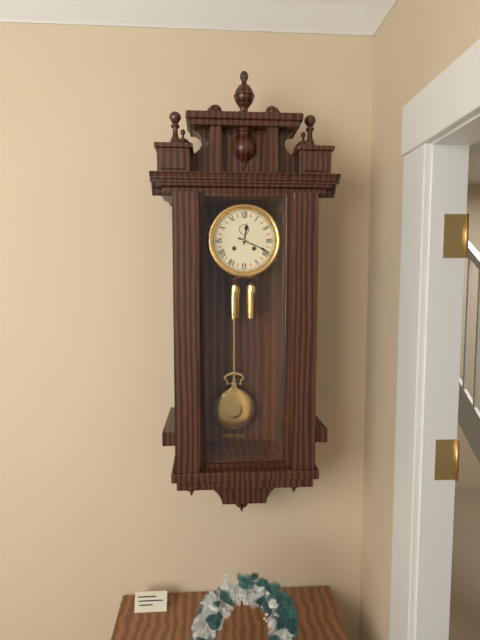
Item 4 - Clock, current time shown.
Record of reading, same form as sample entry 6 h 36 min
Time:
12 h 19 min
